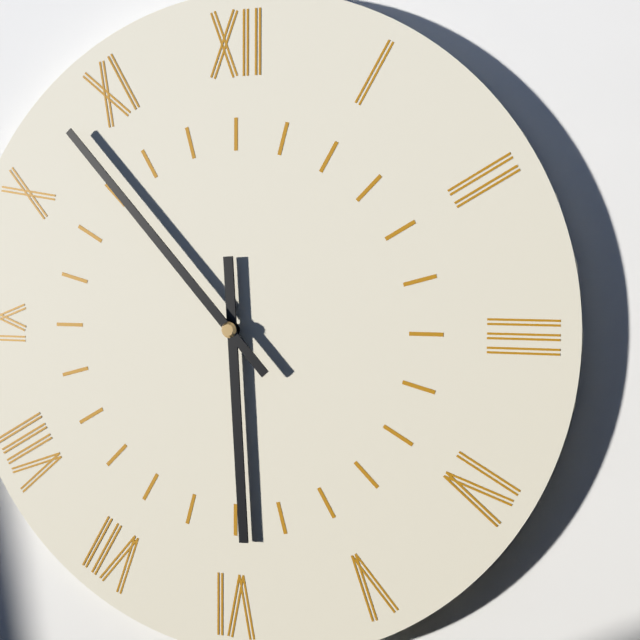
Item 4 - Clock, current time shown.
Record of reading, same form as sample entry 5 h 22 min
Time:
5 h 53 min
